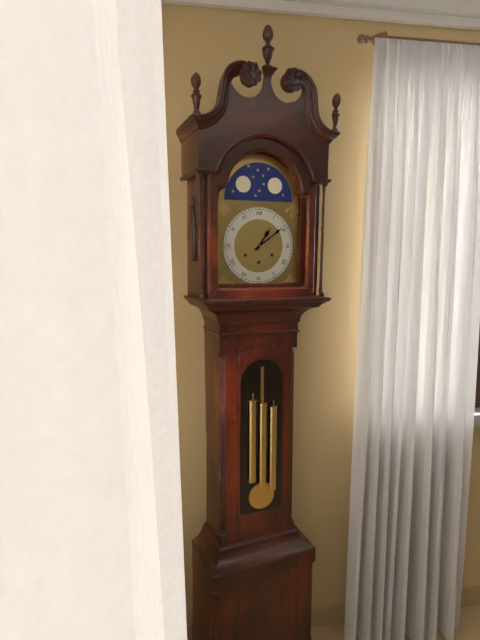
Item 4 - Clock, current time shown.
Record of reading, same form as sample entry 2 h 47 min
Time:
1 h 09 min
